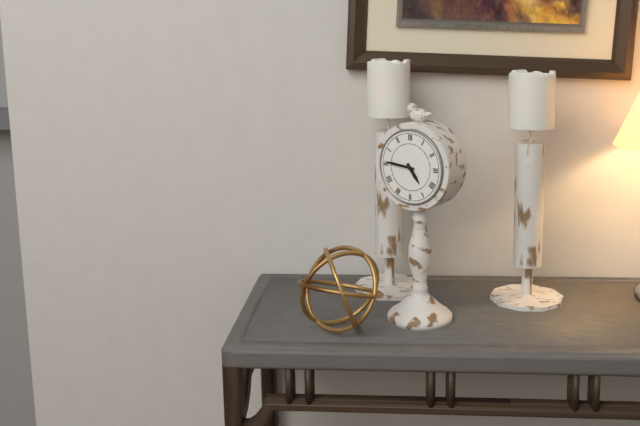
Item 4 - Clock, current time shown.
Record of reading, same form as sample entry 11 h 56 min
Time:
4 h 46 min
